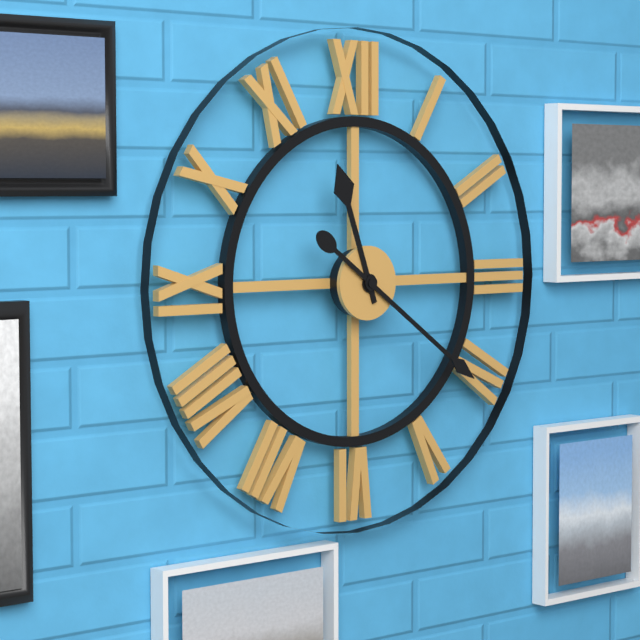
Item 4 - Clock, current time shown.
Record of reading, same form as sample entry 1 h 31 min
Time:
11 h 21 min
